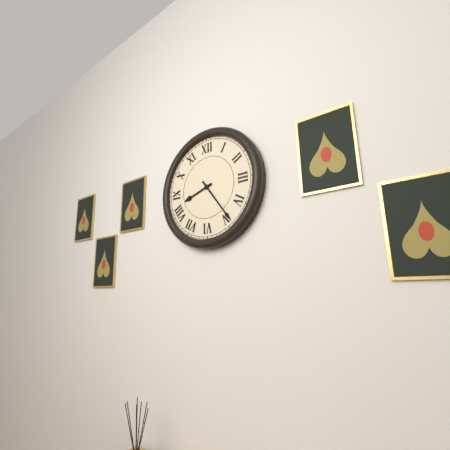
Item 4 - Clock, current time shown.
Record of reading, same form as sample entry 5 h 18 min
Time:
8 h 24 min
